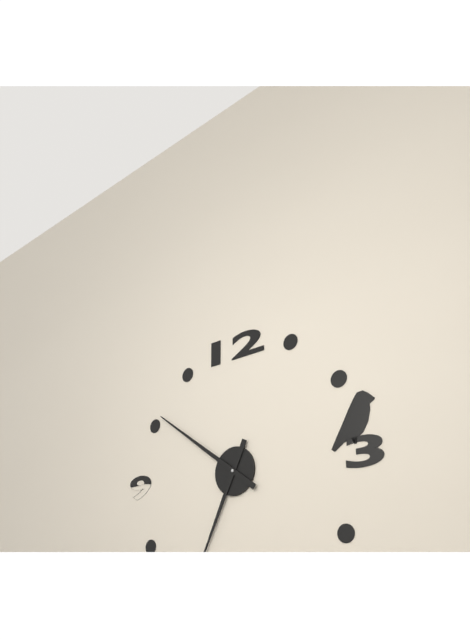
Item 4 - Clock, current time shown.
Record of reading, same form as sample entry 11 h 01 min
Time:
6 h 51 min
